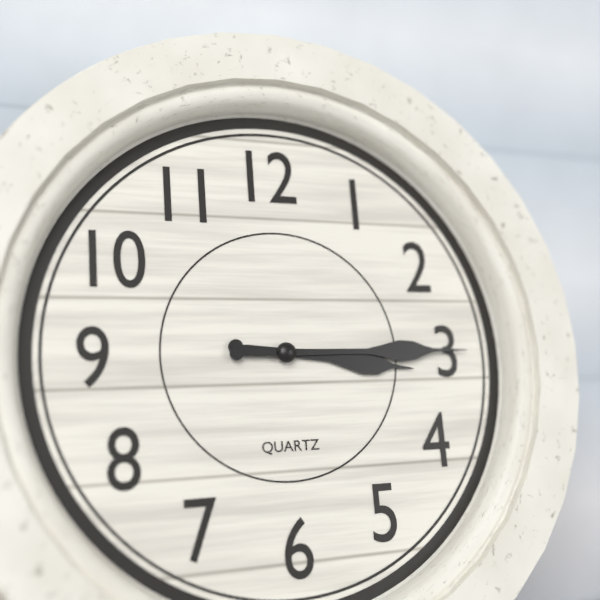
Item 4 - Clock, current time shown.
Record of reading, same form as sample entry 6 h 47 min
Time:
3 h 15 min
